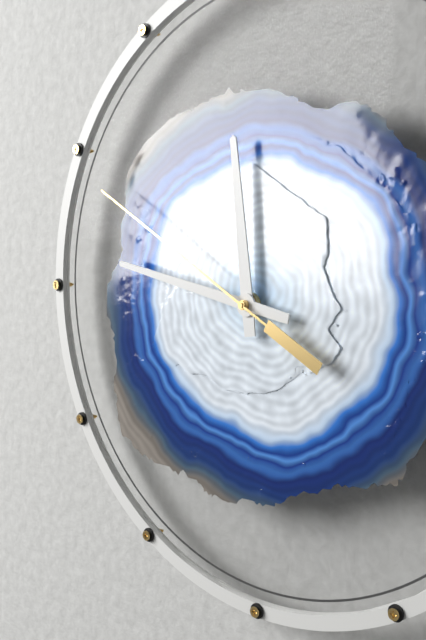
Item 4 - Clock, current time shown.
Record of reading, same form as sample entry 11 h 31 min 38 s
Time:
11 h 47 min 50 s
